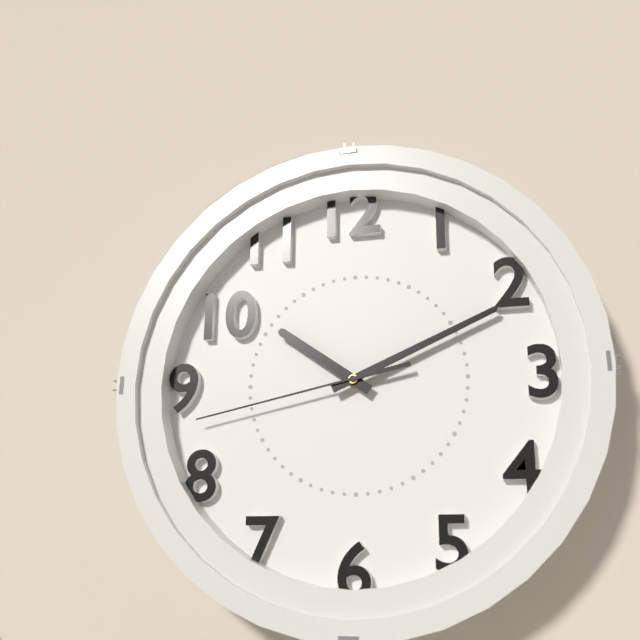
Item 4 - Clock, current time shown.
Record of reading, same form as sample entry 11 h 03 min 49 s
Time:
10 h 11 min 43 s
